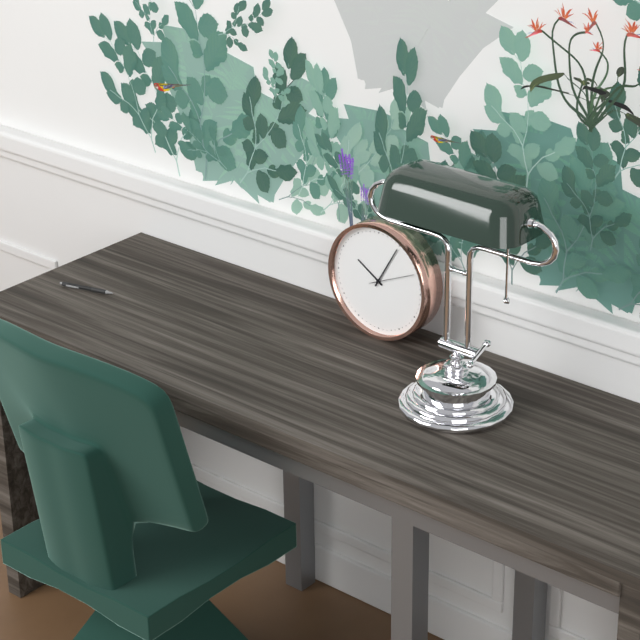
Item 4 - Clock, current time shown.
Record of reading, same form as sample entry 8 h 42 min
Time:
10 h 05 min
